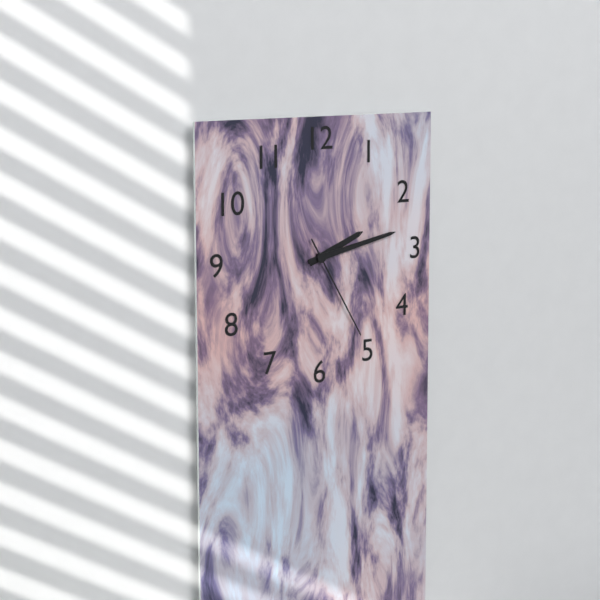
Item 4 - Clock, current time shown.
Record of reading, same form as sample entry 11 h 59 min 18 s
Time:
2 h 13 min 25 s
